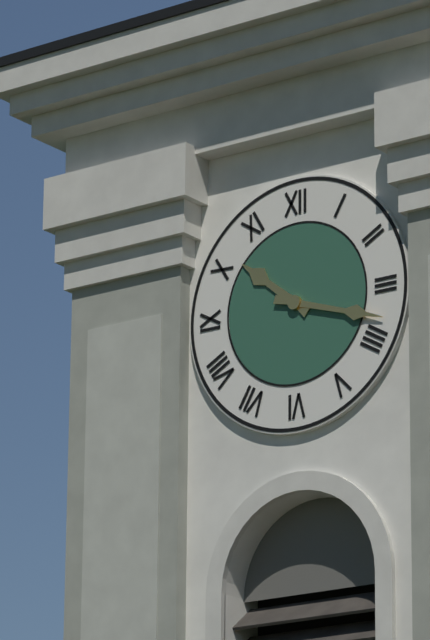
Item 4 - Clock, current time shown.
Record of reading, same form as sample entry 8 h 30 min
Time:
10 h 18 min
